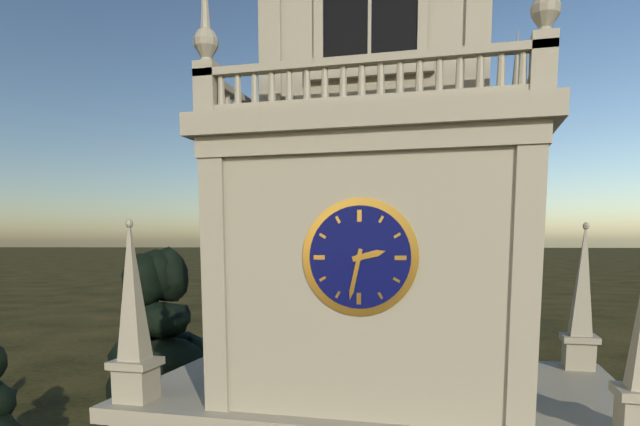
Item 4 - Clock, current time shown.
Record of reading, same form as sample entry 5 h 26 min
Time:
2 h 32 min
